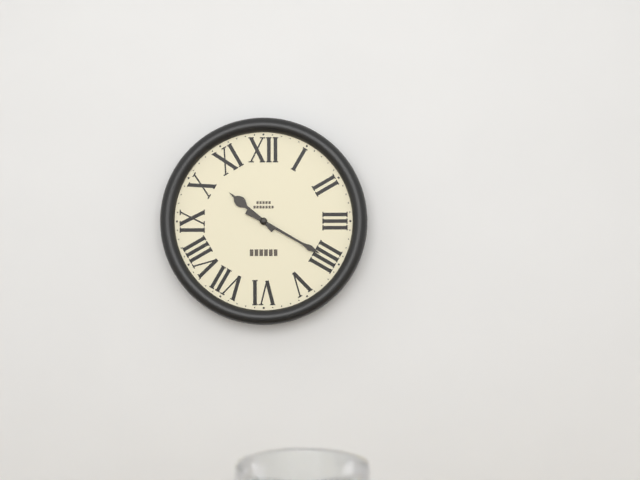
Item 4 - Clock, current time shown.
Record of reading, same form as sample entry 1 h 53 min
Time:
10 h 20 min
